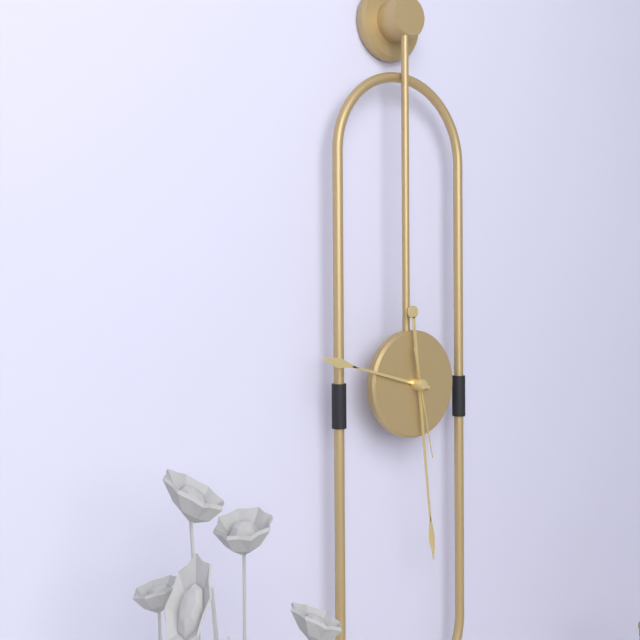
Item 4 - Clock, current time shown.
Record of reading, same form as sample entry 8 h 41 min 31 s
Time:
9 h 29 min 28 s
